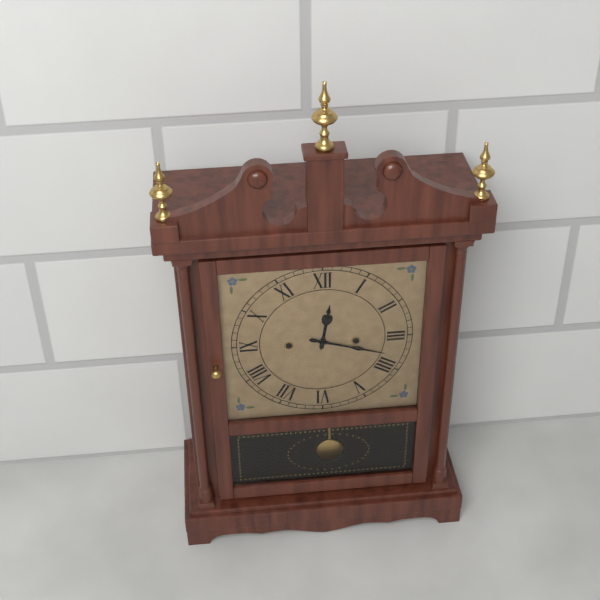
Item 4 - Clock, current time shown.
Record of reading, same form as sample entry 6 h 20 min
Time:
12 h 18 min
